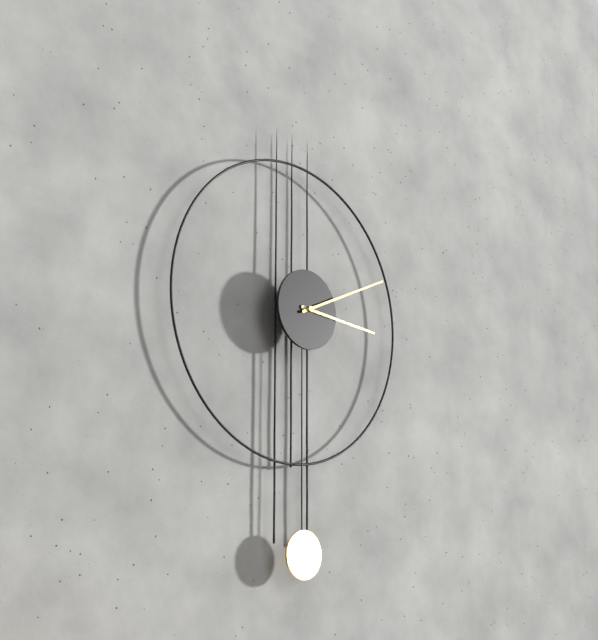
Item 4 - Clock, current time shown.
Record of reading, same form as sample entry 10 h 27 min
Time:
3 h 11 min
